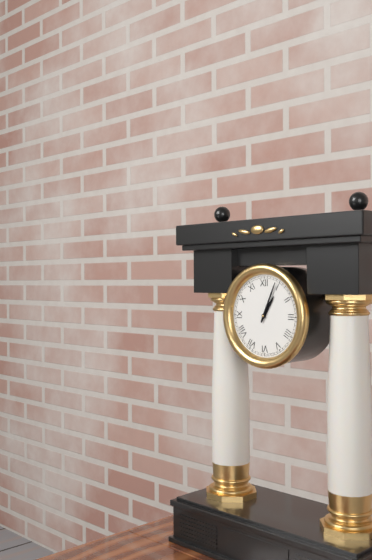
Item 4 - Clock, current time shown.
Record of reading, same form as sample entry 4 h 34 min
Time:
1 h 04 min
